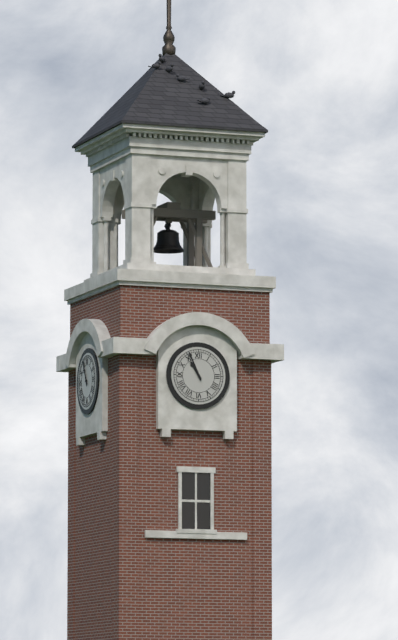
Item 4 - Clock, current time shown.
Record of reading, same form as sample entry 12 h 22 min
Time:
10 h 56 min
